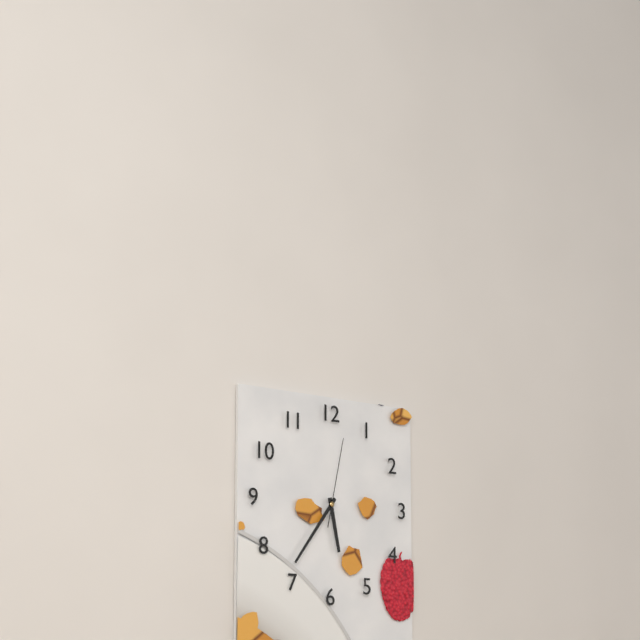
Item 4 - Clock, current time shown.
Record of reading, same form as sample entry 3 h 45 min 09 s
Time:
5 h 36 min 02 s
